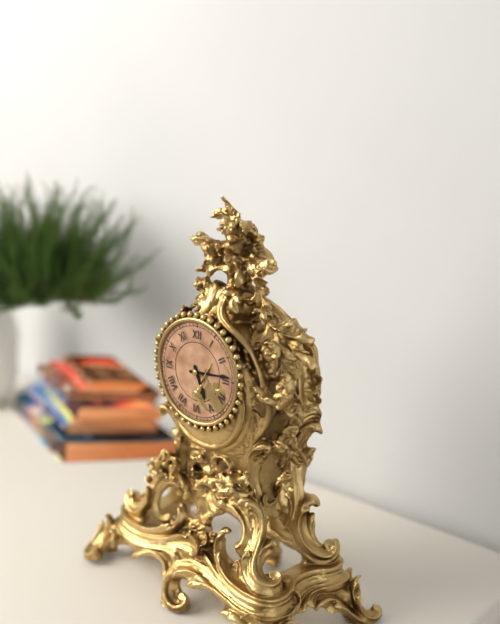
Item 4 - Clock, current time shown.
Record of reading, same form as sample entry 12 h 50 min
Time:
5 h 14 min
